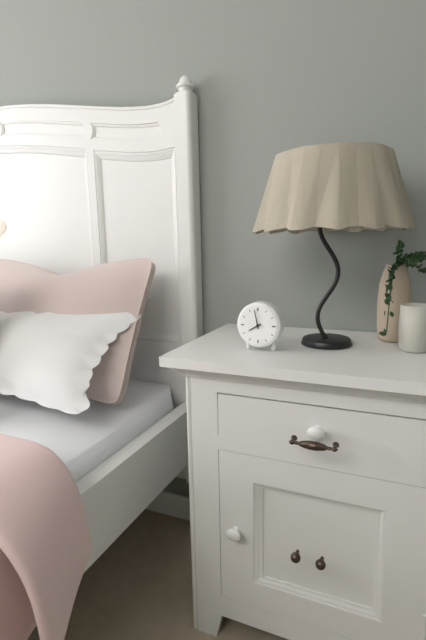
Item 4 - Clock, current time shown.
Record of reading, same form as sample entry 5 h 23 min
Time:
7 h 58 min
